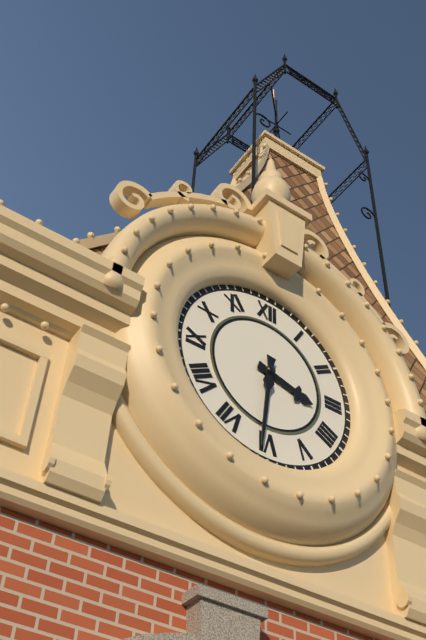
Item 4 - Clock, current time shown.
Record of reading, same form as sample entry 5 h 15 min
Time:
3 h 31 min
